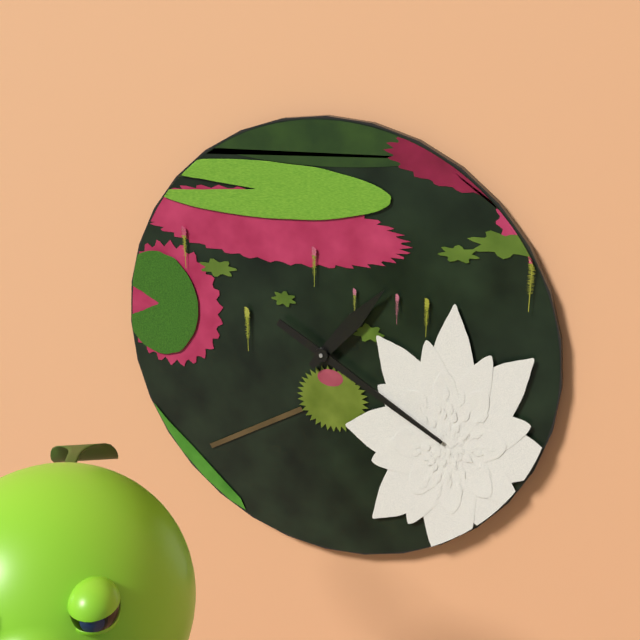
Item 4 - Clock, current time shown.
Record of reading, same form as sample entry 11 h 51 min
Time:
1 h 20 min
